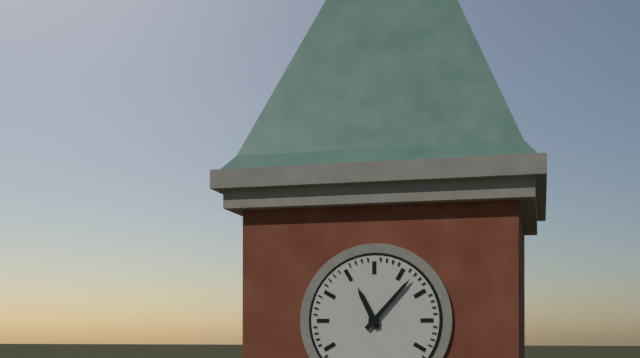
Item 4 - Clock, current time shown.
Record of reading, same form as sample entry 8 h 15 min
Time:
11 h 07 min
